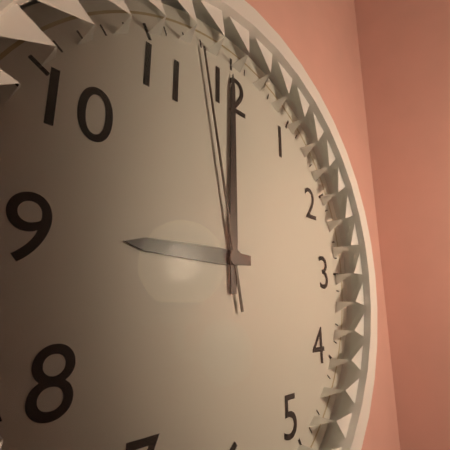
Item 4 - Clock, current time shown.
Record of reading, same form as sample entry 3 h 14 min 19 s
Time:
9 h 00 min 58 s
